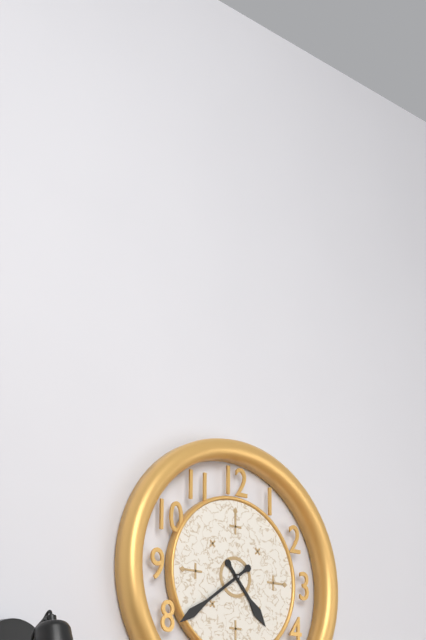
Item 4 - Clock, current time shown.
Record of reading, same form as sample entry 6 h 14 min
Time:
4 h 39 min
